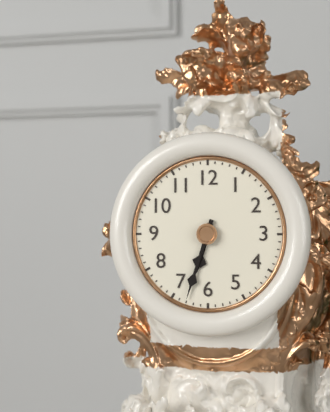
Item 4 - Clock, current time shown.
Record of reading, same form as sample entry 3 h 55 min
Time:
6 h 33 min
